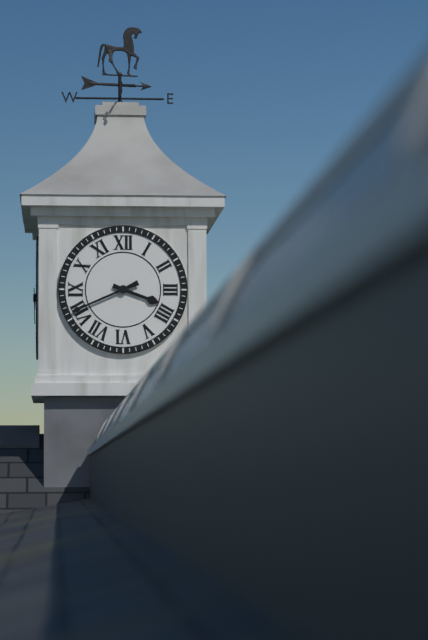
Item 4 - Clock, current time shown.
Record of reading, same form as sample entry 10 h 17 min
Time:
3 h 41 min
